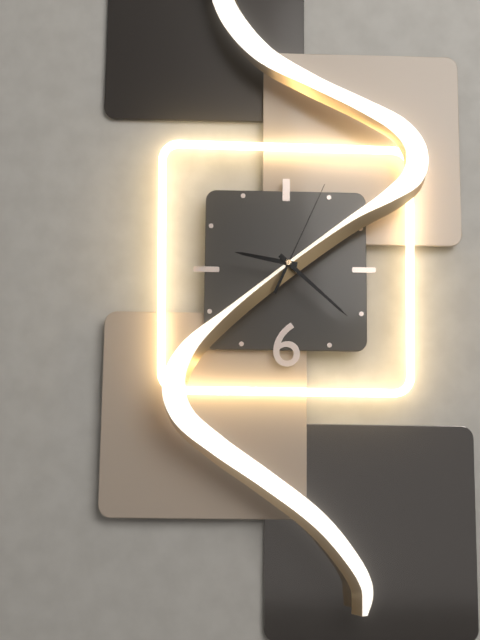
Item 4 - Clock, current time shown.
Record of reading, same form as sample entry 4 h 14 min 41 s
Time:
9 h 22 min 04 s
